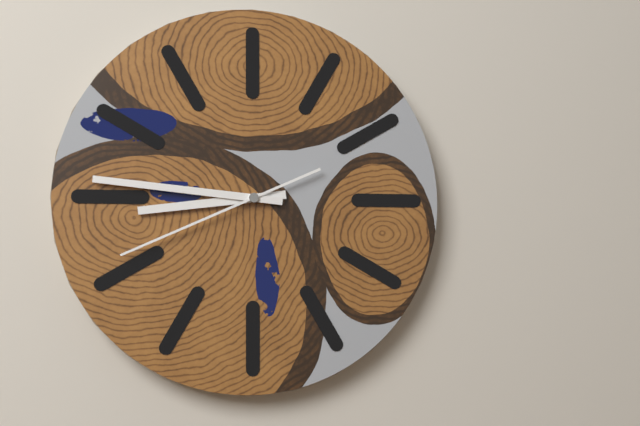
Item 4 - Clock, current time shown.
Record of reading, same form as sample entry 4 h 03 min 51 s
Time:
8 h 46 min 41 s
